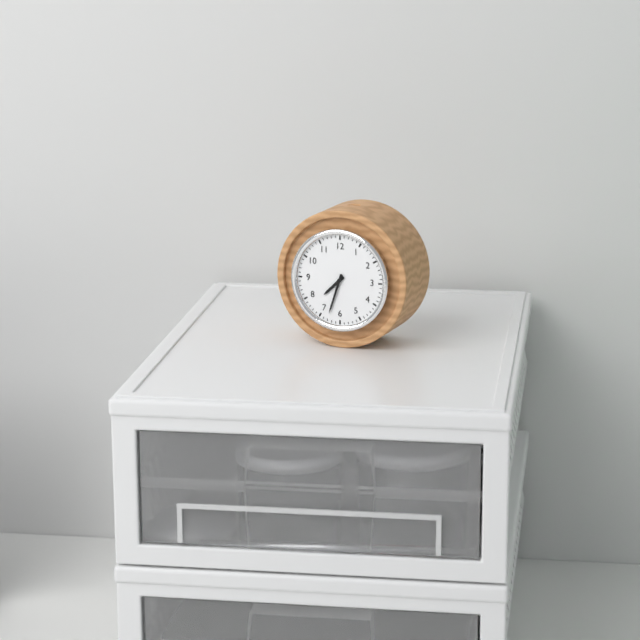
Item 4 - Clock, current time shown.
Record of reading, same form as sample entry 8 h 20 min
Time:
7 h 33 min
